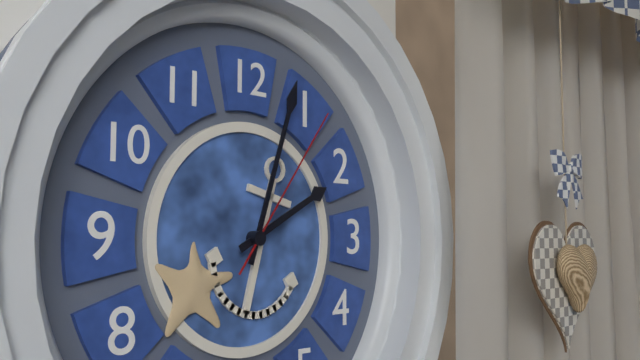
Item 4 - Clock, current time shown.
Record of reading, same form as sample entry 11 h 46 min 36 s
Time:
2 h 03 min 06 s
